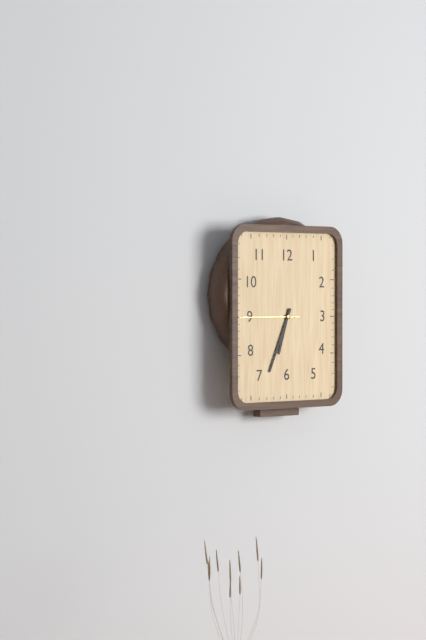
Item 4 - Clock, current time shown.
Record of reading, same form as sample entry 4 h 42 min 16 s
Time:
6 h 34 min 45 s
